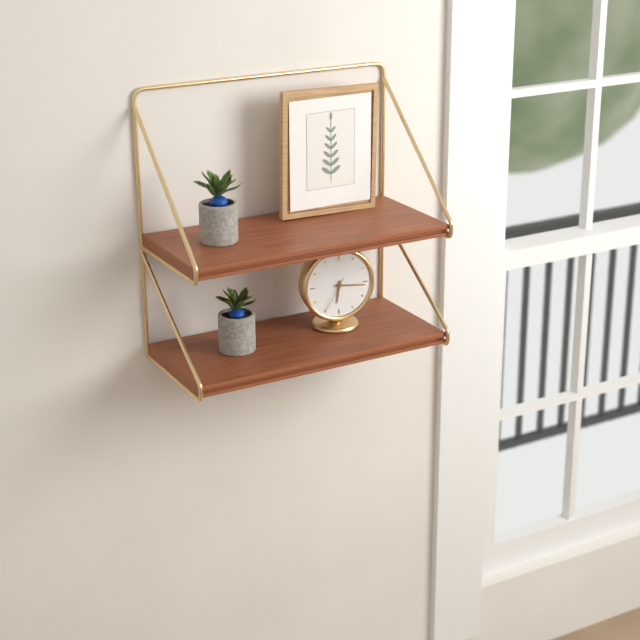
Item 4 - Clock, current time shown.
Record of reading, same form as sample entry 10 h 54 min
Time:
6 h 16 min
